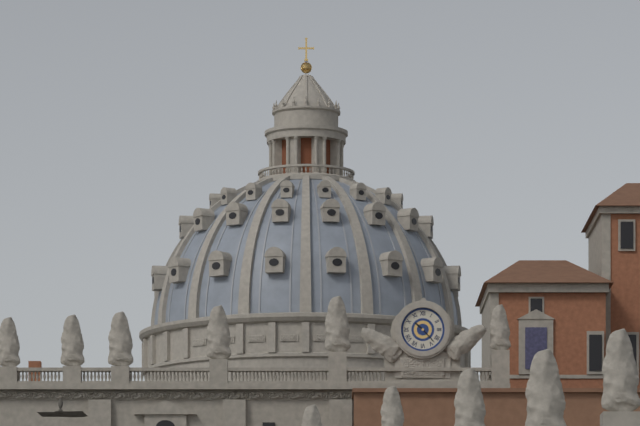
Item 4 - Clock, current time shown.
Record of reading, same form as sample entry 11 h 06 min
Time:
10 h 23 min
